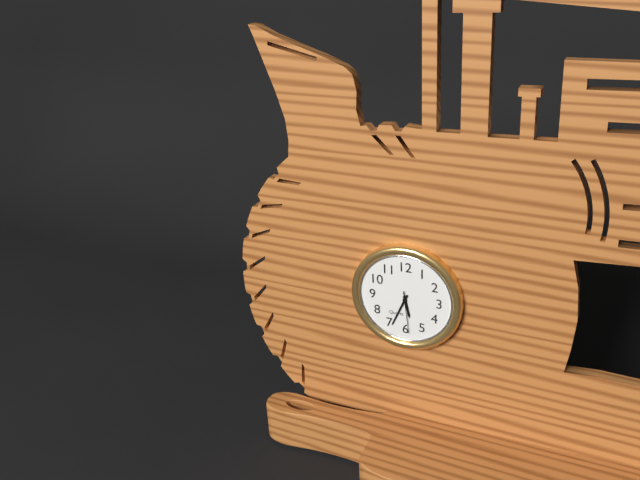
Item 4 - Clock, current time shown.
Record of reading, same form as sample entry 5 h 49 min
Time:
5 h 34 min
